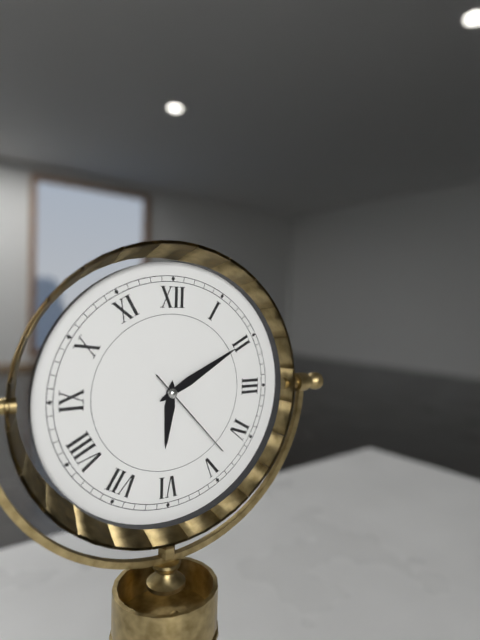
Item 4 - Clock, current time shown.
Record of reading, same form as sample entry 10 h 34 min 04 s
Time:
6 h 10 min 23 s
